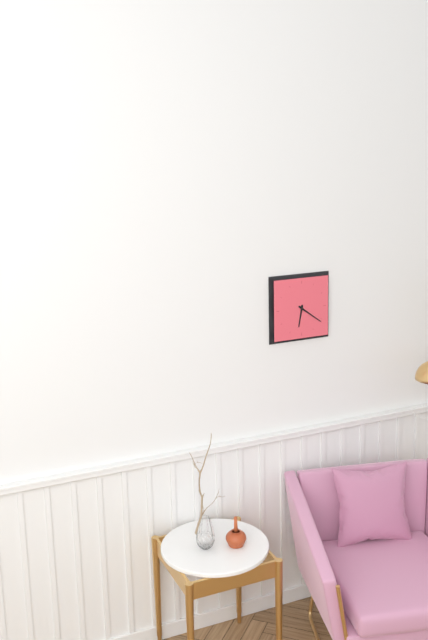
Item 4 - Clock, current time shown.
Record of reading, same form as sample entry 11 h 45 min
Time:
6 h 21 min
